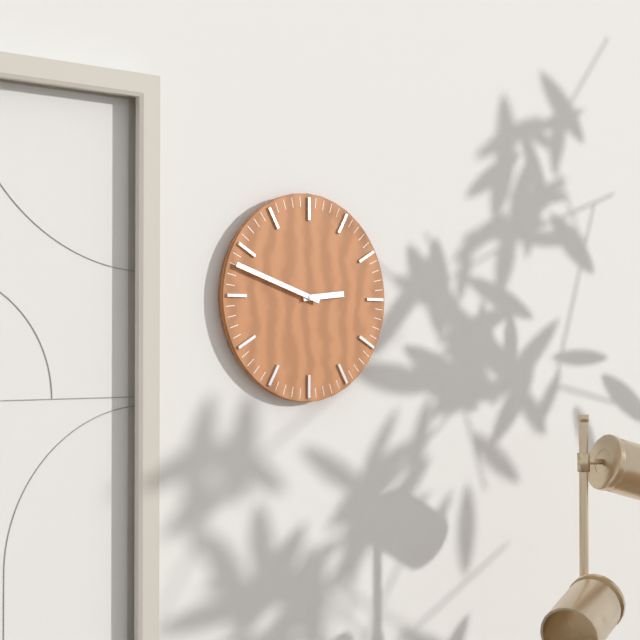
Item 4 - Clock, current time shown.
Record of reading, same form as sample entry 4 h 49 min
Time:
2 h 48 min
